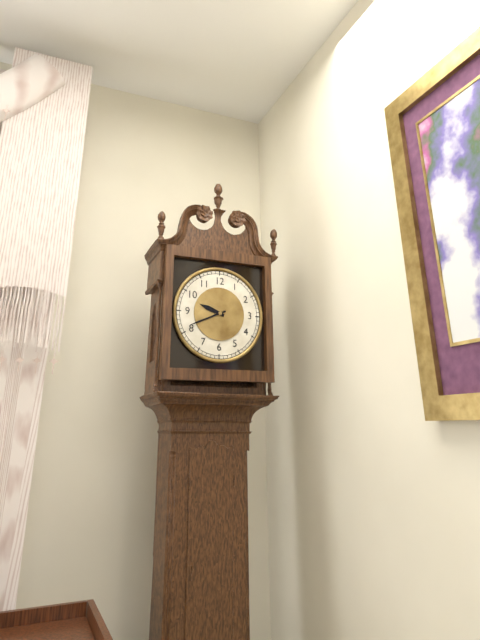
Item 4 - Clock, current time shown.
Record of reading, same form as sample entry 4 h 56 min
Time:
9 h 41 min
